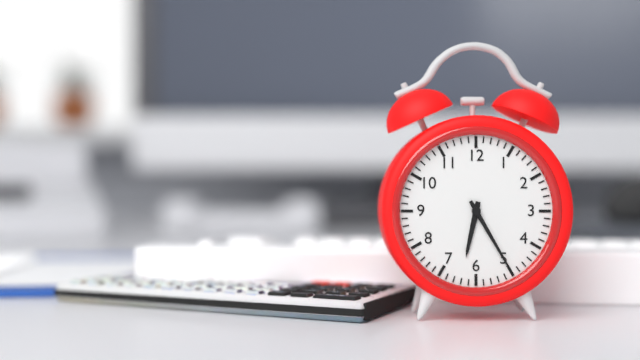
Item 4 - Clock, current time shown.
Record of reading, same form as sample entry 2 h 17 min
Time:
6 h 25 min
